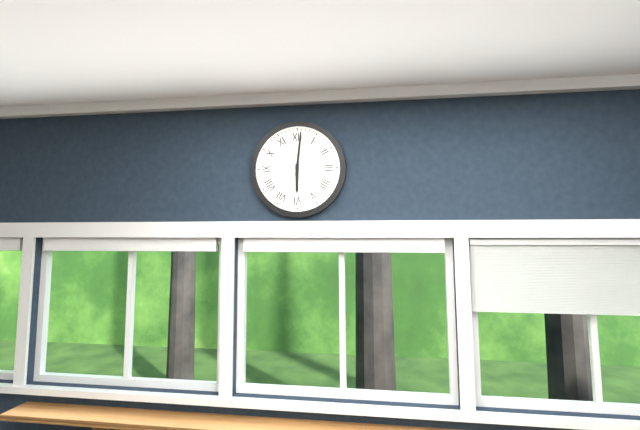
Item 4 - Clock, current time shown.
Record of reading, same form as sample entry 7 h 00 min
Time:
6 h 01 min
